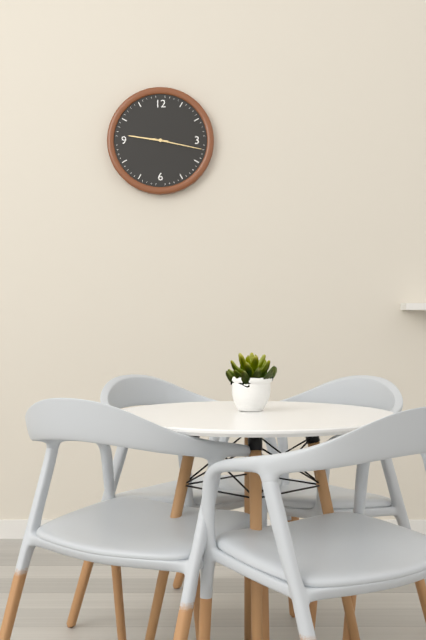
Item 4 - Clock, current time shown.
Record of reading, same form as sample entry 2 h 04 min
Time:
9 h 17 min
